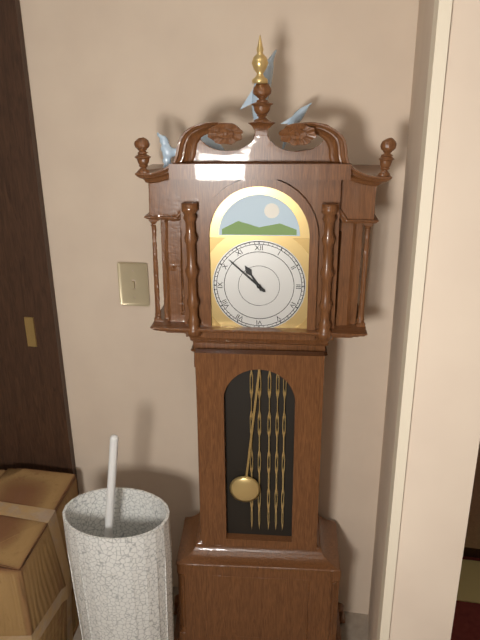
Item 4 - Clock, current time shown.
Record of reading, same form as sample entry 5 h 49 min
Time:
10 h 52 min
